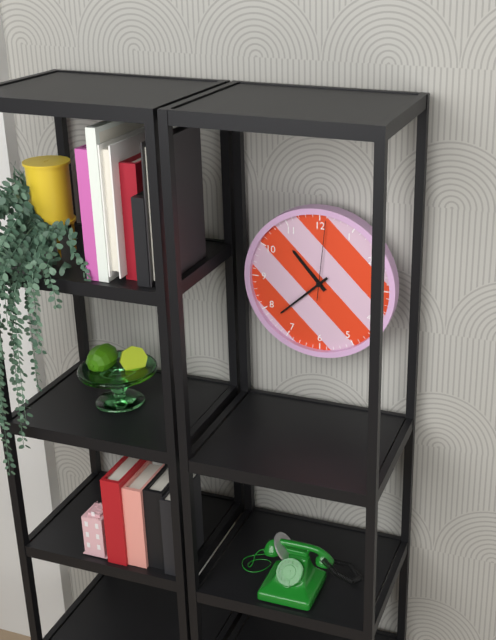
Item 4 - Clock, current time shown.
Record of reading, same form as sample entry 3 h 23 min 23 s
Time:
10 h 38 min 01 s
